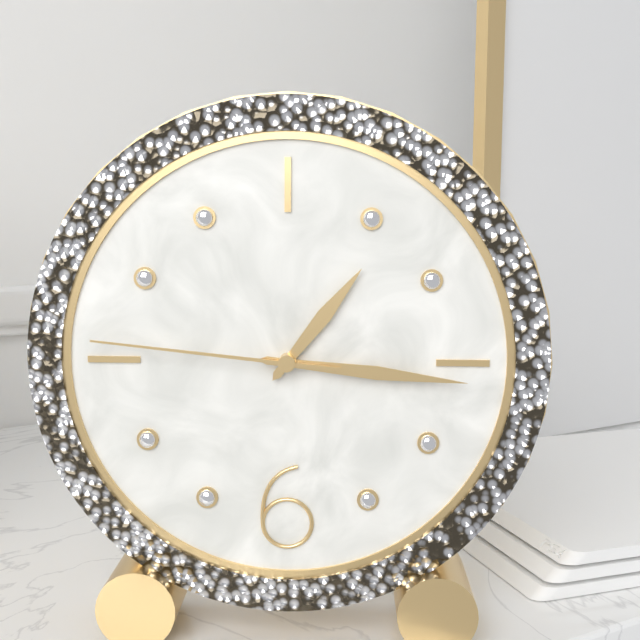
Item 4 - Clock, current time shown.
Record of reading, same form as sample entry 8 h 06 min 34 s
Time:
1 h 16 min 46 s
